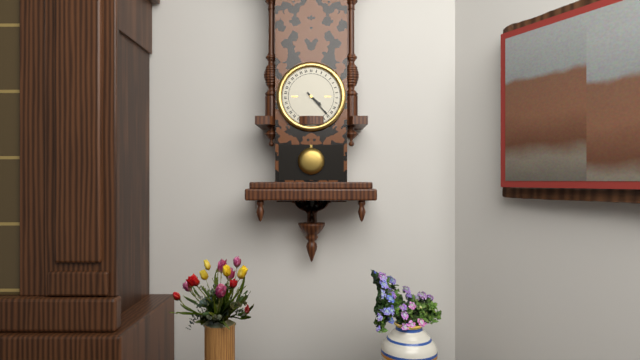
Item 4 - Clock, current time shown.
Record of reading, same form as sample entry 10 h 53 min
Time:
4 h 23 min
